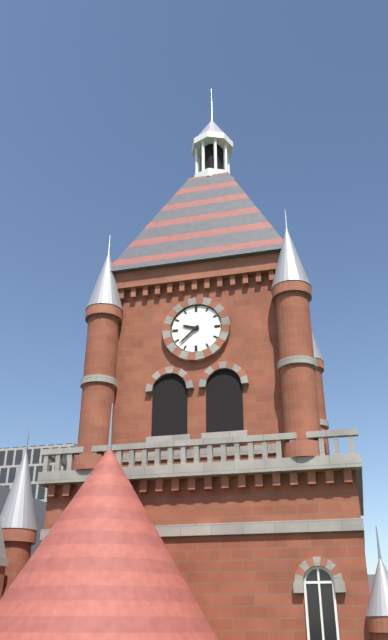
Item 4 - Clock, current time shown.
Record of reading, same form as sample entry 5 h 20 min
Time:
9 h 38 min
